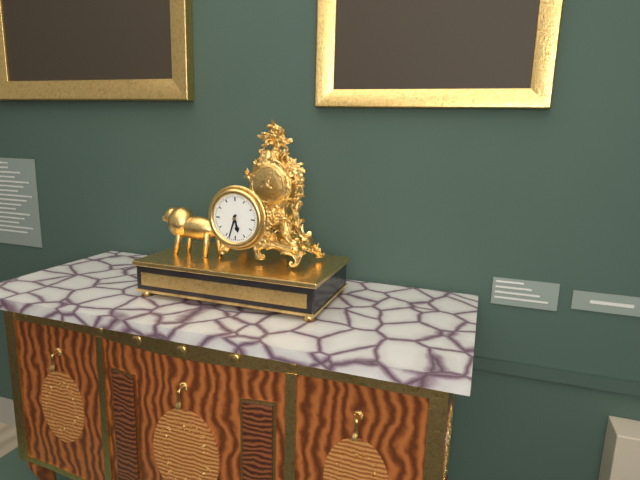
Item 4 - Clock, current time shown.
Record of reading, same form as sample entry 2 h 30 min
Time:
5 h 33 min
